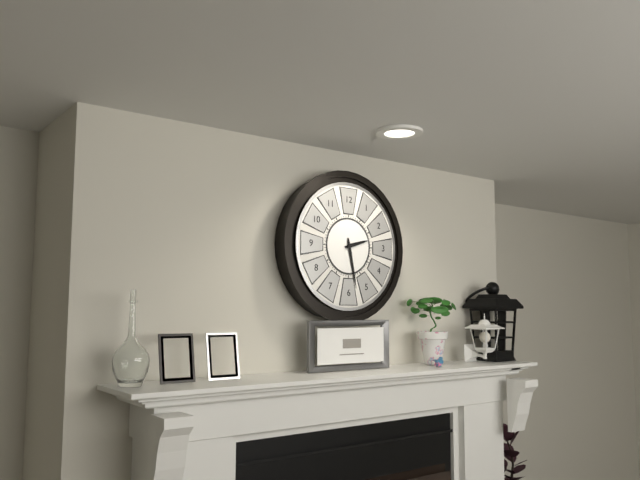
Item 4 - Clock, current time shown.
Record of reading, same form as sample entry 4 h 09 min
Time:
2 h 28 min
